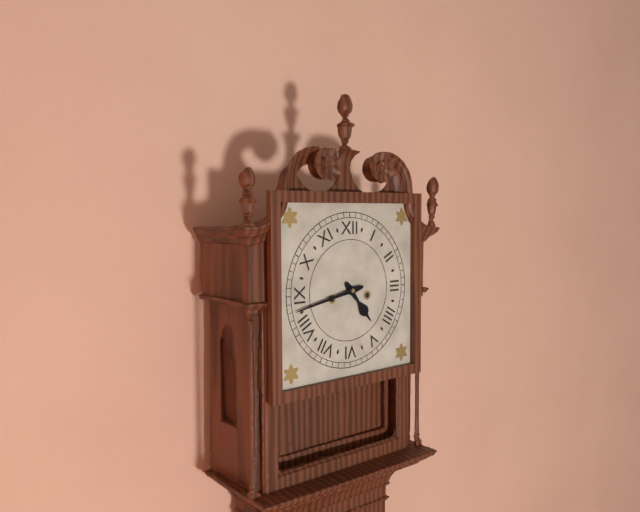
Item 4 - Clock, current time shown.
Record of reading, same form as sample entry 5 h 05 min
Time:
4 h 43 min
